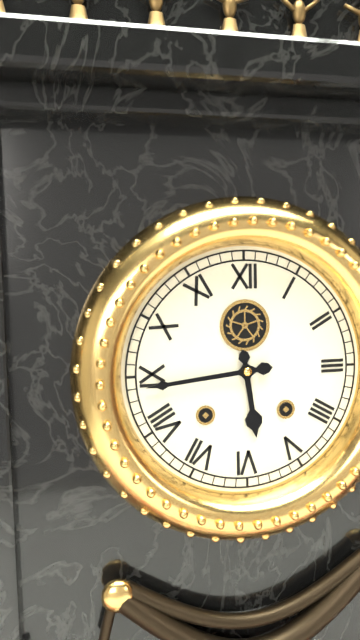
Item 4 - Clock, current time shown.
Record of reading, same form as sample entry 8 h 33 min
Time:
5 h 44 min
